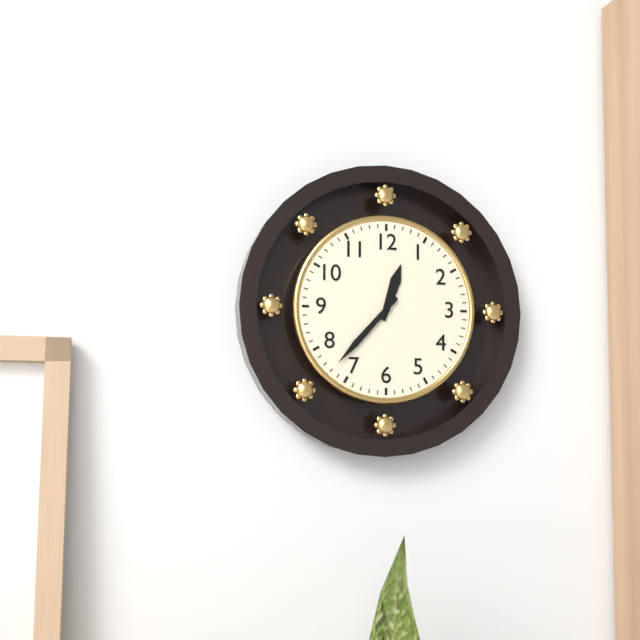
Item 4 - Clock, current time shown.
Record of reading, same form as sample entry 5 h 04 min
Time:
12 h 37 min
